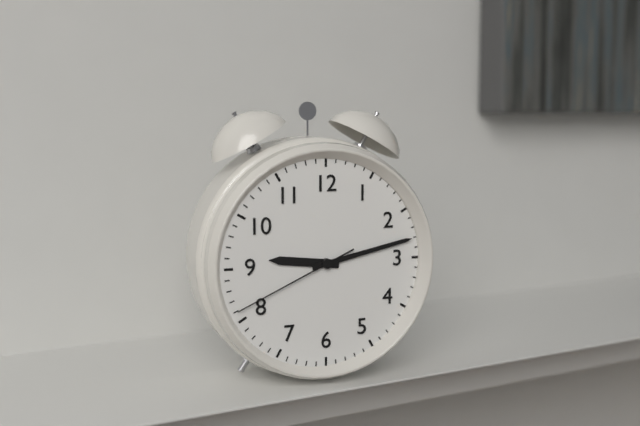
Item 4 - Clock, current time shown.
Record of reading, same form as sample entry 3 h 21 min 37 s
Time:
9 h 13 min 41 s
